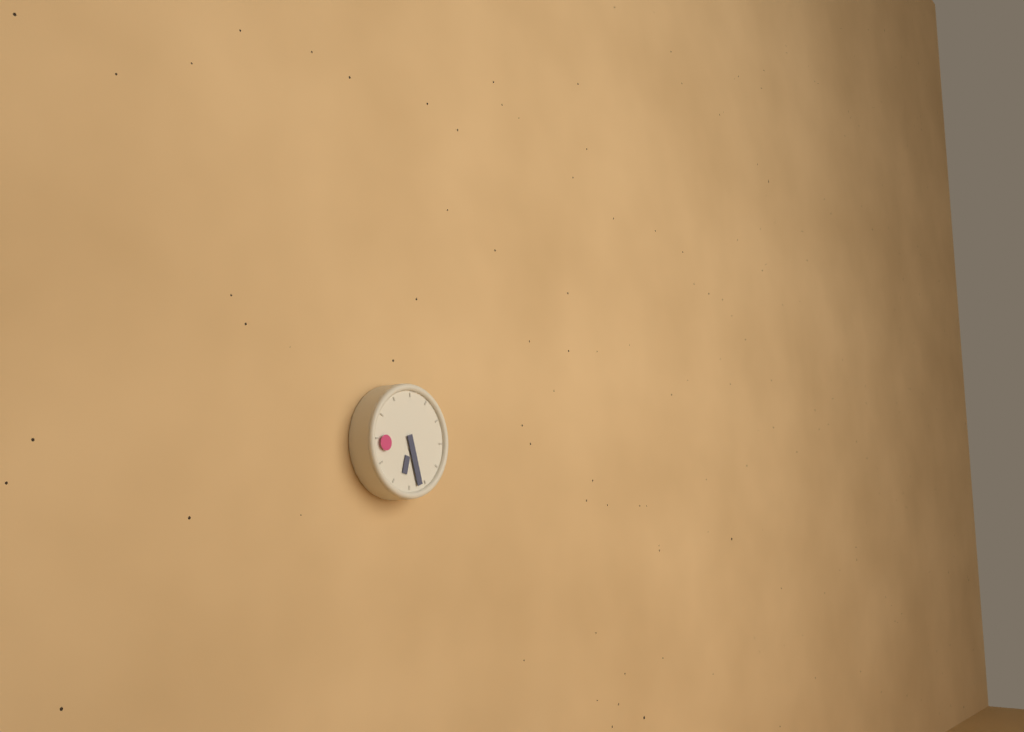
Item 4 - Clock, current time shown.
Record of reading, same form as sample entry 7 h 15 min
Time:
6 h 27 min
